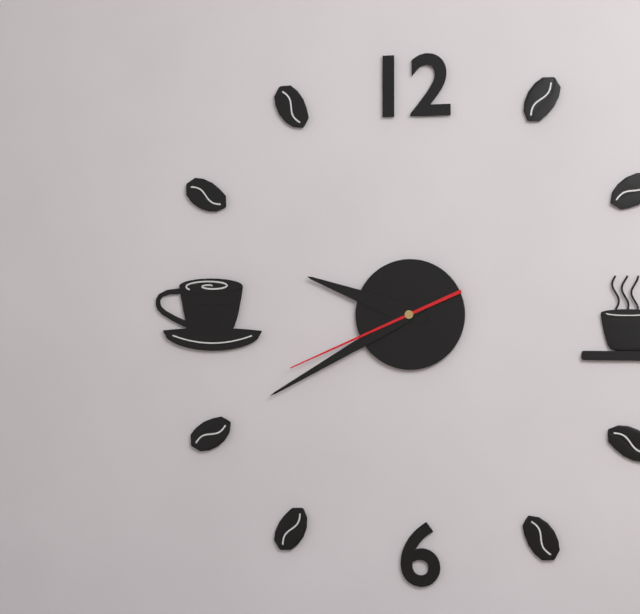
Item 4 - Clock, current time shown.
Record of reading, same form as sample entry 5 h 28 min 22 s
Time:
9 h 40 min 41 s
